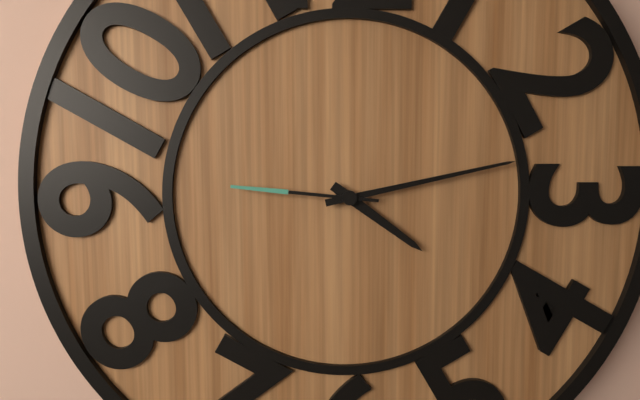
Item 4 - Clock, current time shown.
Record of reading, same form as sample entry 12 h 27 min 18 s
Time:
4 h 13 min 46 s
